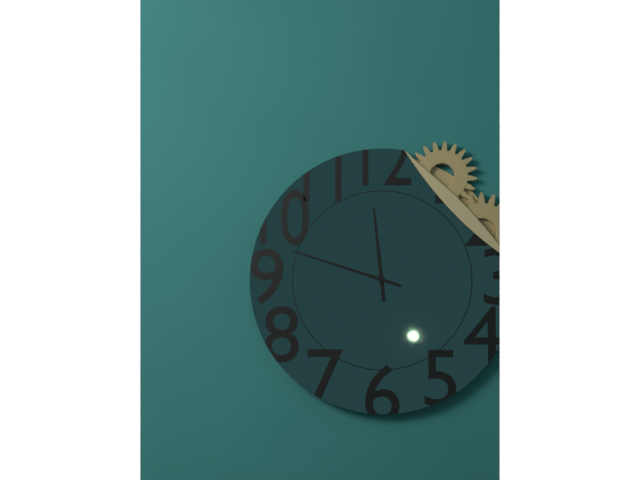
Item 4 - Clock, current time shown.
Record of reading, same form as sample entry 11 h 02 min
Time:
11 h 48 min
